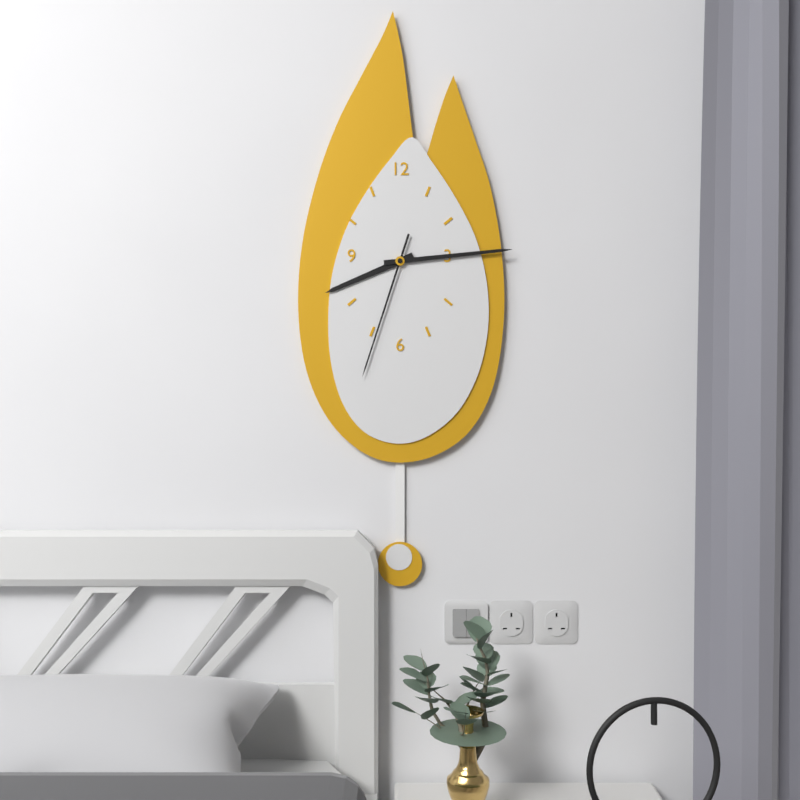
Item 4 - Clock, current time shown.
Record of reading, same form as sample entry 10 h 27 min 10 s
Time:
8 h 14 min 33 s
